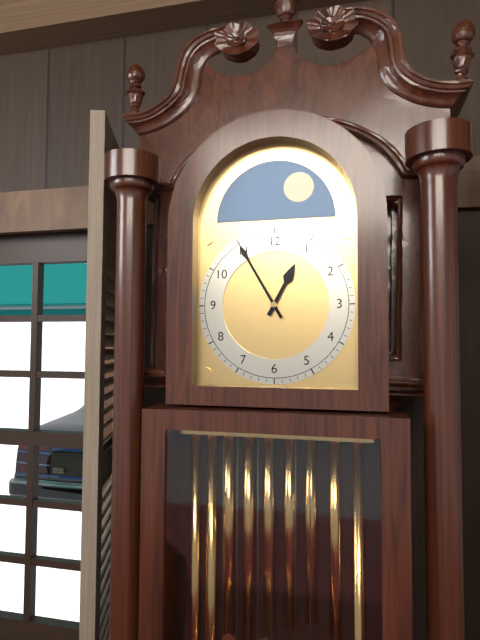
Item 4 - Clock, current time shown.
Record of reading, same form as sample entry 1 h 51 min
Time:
12 h 55 min
